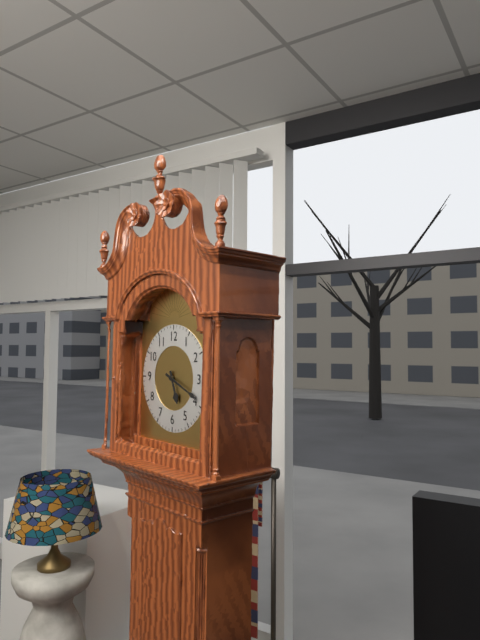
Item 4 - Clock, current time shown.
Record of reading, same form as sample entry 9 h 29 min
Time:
5 h 19 min
